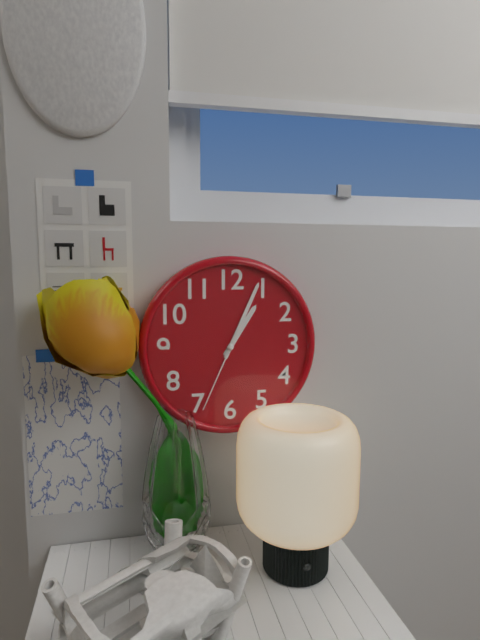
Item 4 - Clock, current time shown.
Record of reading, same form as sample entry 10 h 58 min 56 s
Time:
1 h 04 min 34 s
